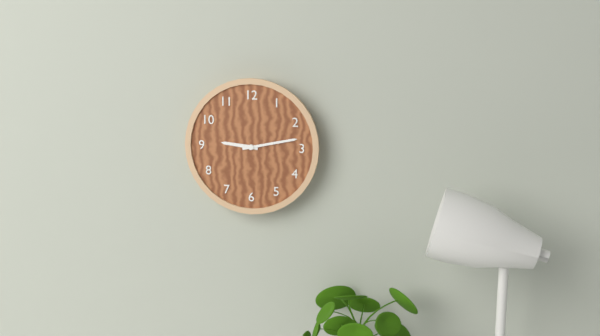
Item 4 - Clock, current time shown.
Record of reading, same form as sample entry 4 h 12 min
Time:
9 h 13 min
